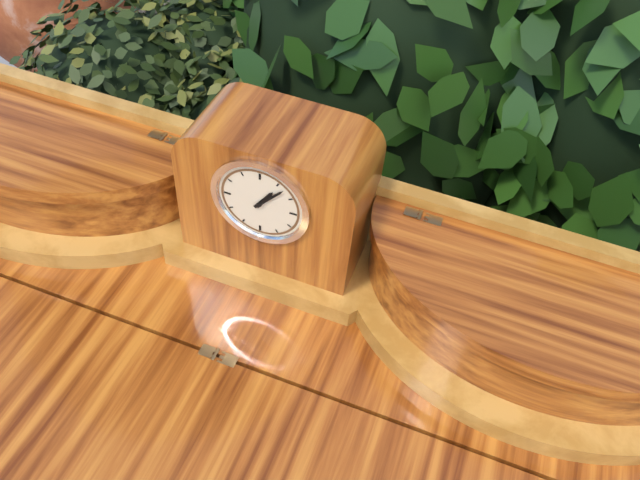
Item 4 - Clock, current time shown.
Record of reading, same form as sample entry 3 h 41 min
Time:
1 h 07 min
